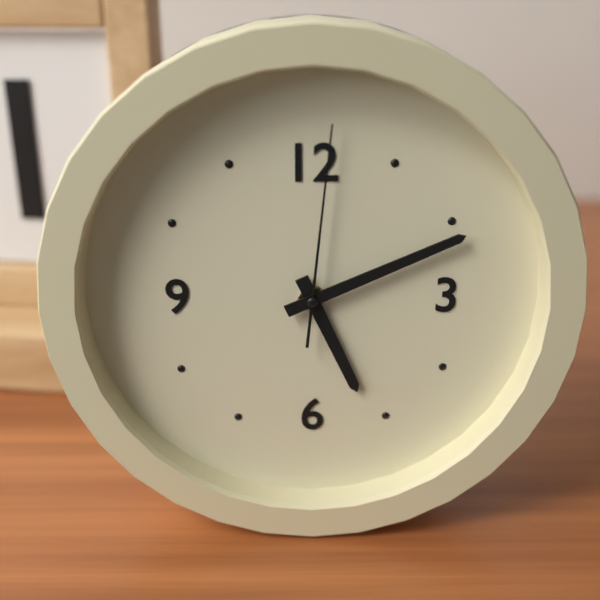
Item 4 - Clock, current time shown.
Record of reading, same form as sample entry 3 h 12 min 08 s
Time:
5 h 11 min 01 s
